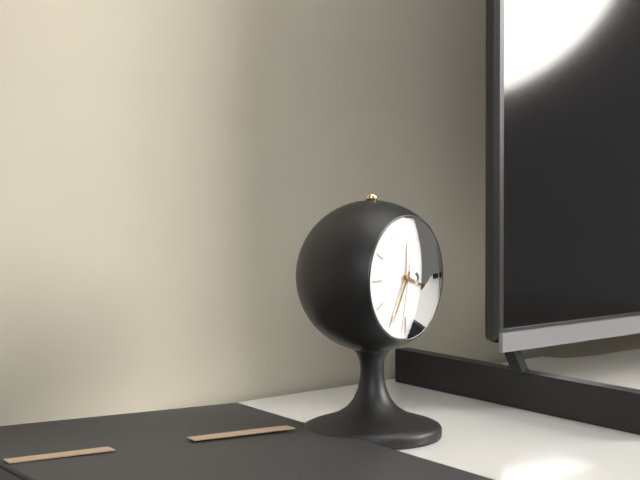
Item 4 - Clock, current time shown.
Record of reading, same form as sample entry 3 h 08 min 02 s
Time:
3 h 35 min 32 s
